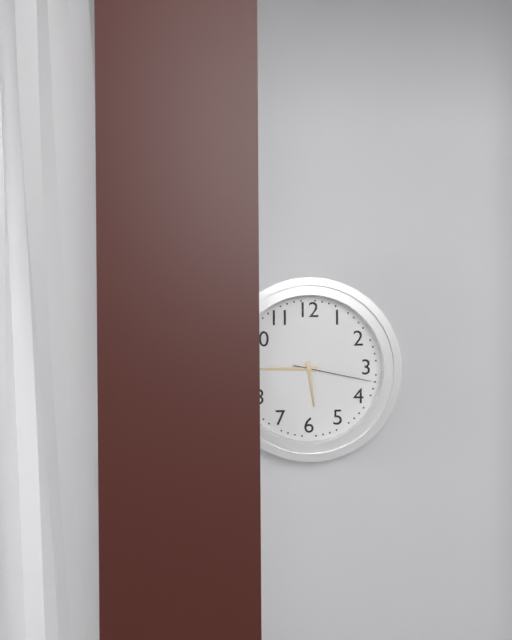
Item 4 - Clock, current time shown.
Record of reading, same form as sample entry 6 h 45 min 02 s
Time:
5 h 45 min 17 s
